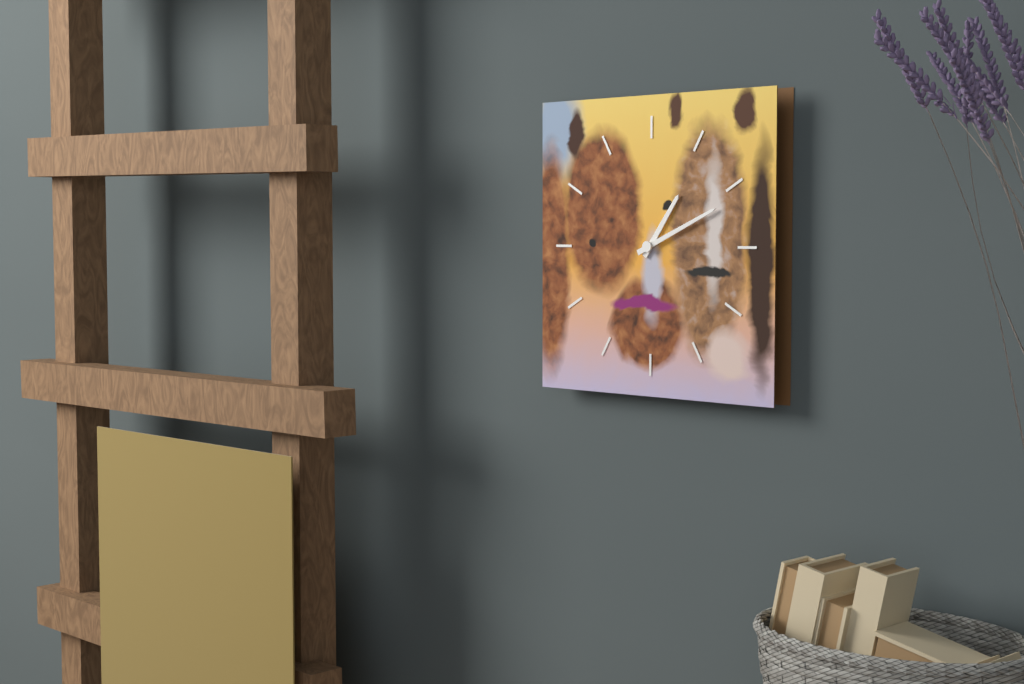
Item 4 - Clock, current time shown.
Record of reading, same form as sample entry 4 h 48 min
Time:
1 h 11 min
